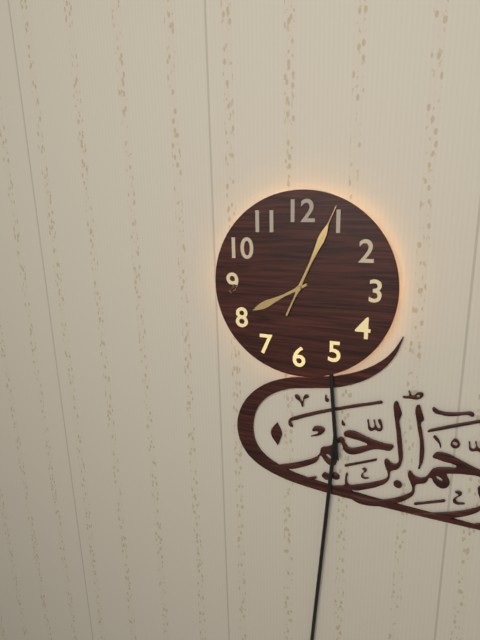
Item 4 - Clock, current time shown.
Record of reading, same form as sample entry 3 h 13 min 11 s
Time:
8 h 04 min 04 s
